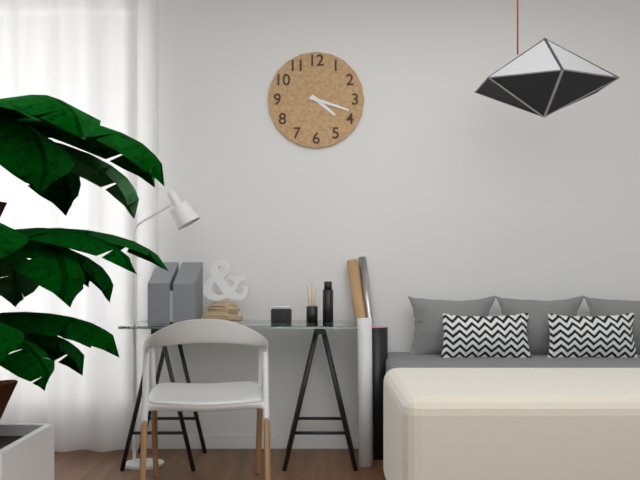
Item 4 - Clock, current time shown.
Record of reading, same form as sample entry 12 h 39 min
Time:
4 h 18 min
